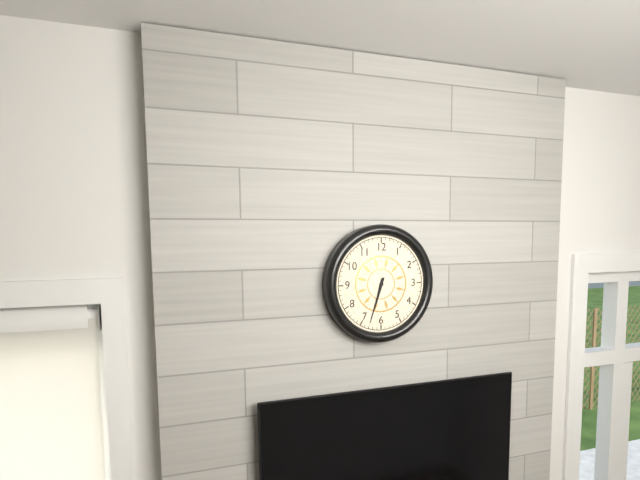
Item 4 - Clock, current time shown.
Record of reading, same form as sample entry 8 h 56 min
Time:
6 h 33 min
